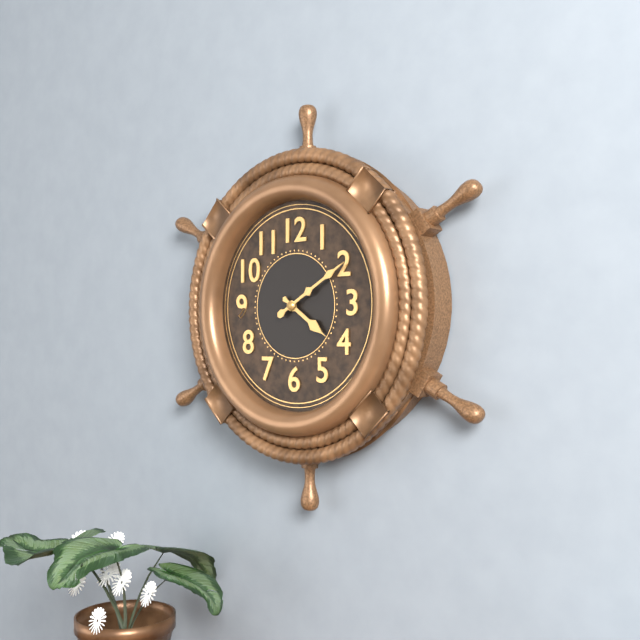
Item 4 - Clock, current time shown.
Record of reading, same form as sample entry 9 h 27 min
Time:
4 h 10 min
